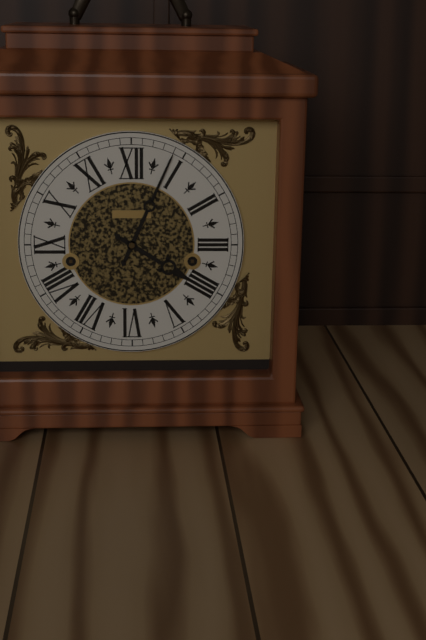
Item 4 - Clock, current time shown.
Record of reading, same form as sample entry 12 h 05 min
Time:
4 h 04 min
